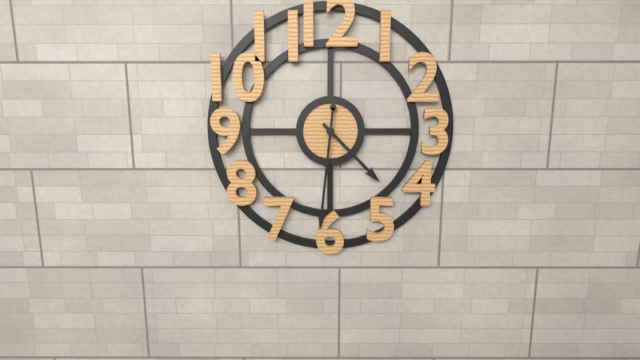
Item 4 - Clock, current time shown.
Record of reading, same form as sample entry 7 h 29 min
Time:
4 h 31 min
